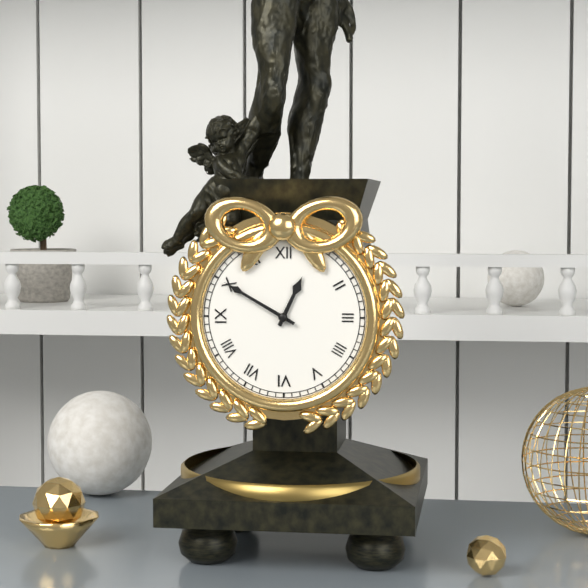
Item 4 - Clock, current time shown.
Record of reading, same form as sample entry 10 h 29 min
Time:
12 h 50 min
